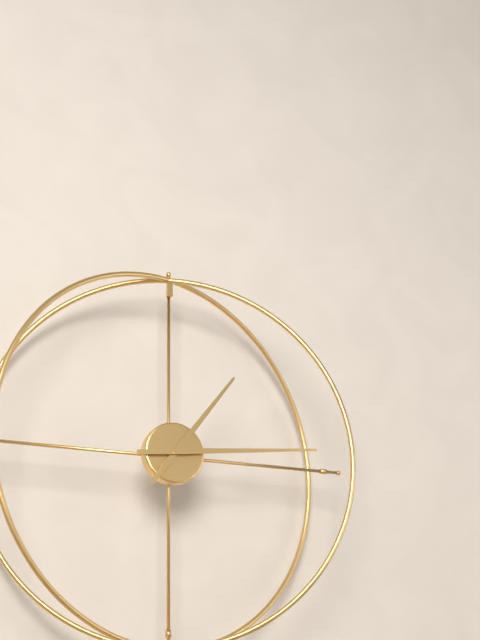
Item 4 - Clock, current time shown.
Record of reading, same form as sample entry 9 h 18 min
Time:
1 h 14 min
